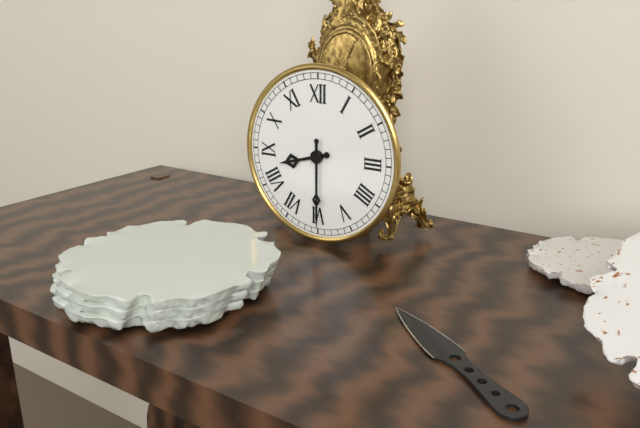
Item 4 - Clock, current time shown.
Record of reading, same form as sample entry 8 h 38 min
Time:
8 h 30 min
